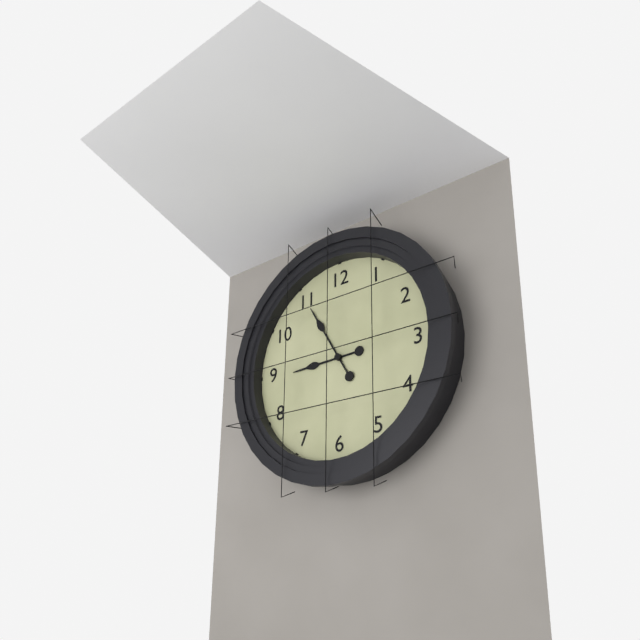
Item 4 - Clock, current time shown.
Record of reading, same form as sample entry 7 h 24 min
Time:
8 h 55 min
